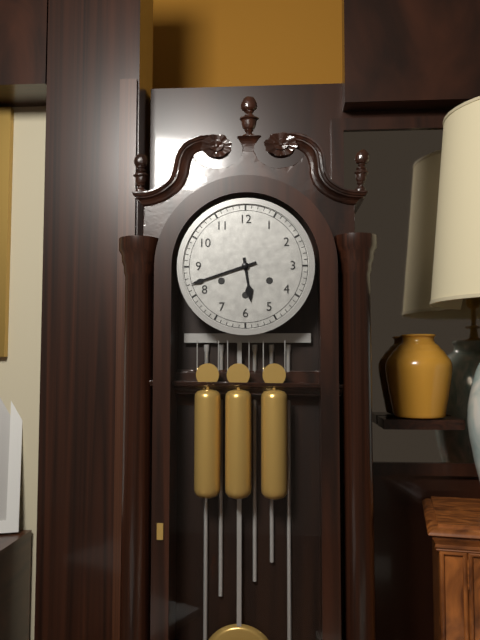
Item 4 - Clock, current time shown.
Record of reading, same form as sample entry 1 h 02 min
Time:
5 h 42 min
